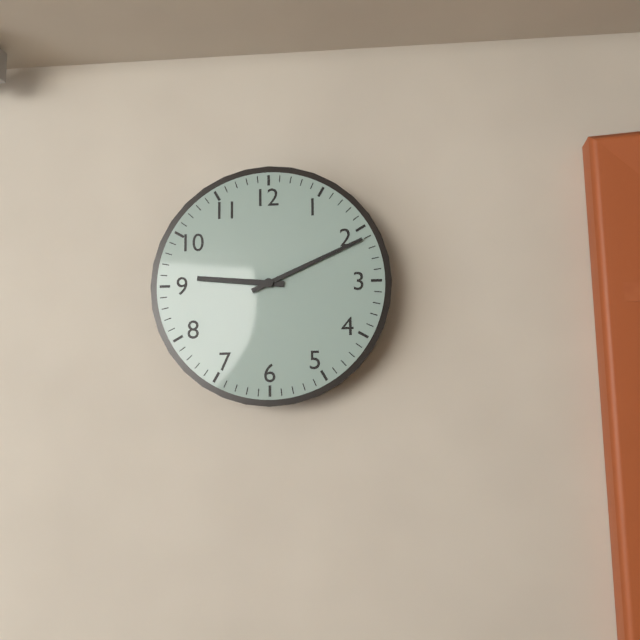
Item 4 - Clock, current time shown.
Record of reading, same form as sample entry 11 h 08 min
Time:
9 h 11 min
